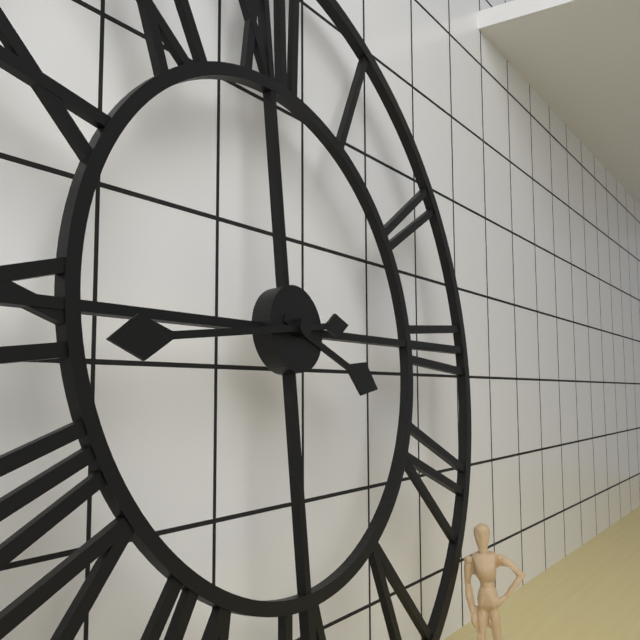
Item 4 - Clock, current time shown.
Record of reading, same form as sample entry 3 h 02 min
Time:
3 h 44 min
